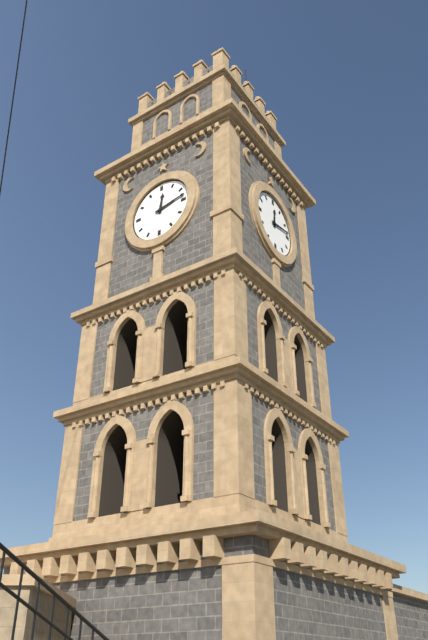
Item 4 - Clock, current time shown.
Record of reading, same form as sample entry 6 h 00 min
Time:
12 h 13 min
